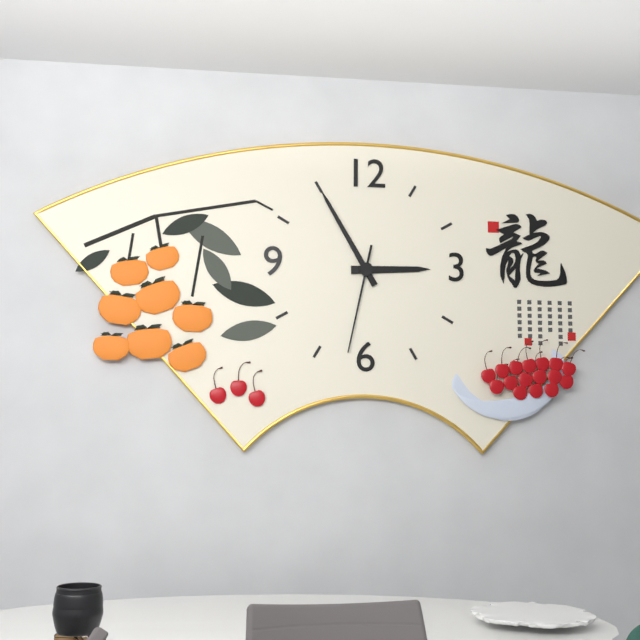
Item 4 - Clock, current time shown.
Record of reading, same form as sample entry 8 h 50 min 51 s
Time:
2 h 55 min 32 s
